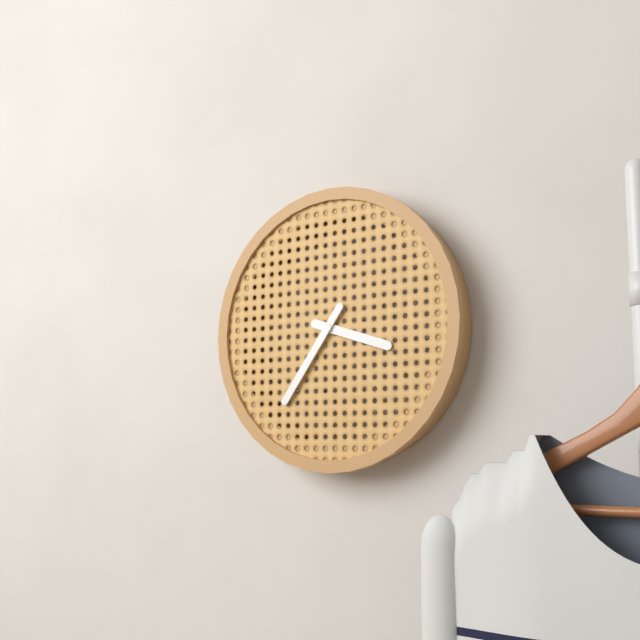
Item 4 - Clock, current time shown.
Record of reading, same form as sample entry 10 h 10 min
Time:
3 h 36 min
